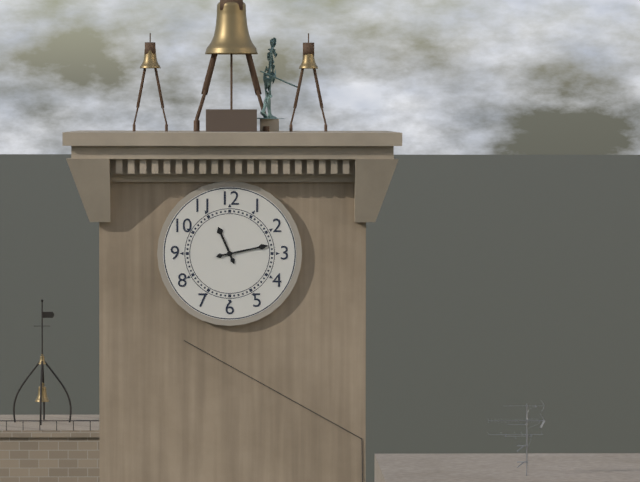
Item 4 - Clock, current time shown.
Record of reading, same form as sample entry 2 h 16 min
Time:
11 h 13 min
